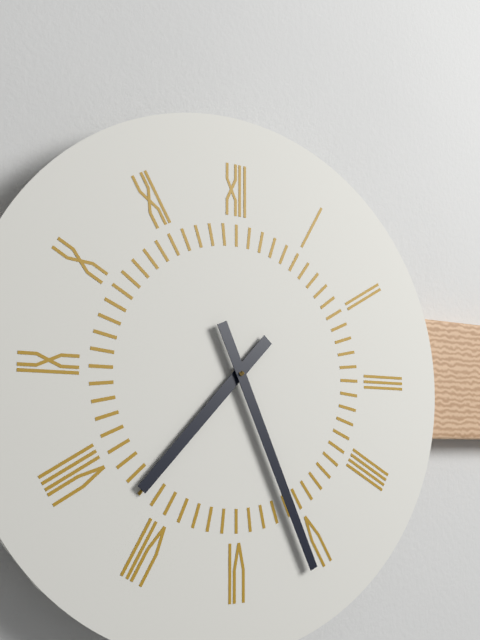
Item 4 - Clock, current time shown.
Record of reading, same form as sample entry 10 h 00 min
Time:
7 h 26 min
